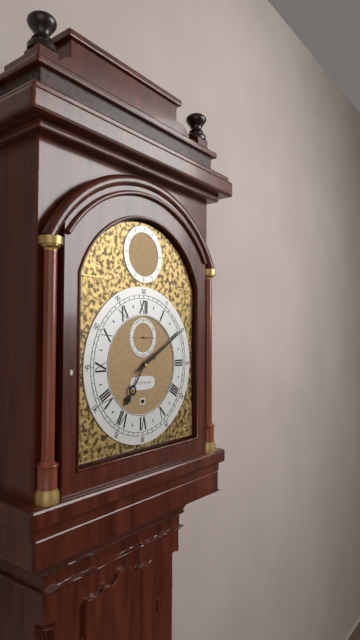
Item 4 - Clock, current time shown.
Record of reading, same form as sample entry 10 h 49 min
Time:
7 h 10 min
